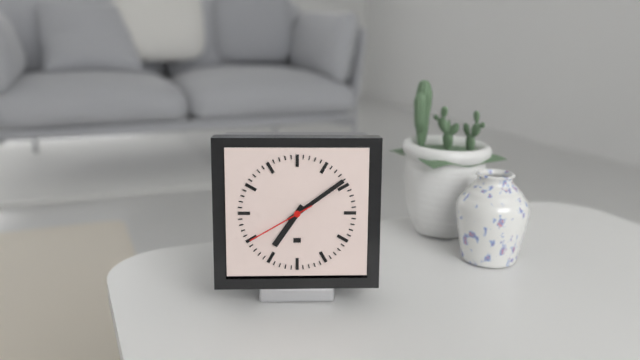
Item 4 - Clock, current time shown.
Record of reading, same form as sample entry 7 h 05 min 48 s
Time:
7 h 09 min 40 s
